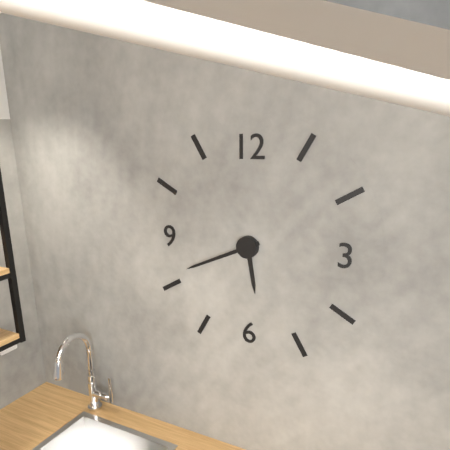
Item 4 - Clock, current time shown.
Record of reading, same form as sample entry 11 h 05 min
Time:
5 h 41 min
